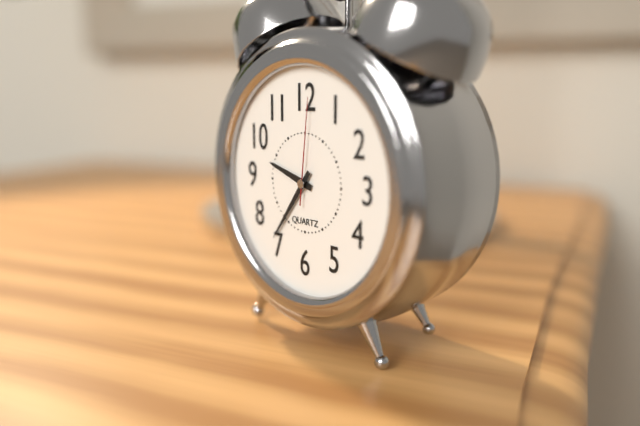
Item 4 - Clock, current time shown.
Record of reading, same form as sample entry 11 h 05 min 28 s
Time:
9 h 36 min 01 s
